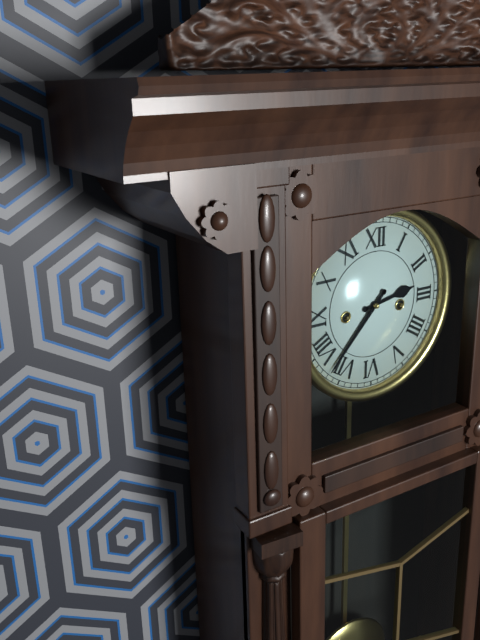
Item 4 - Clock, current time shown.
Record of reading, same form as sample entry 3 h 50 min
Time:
2 h 37 min
